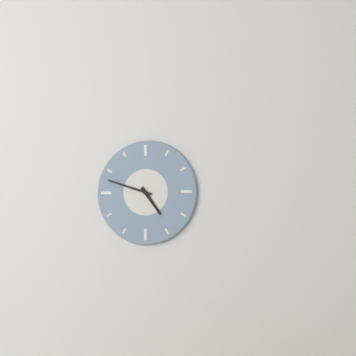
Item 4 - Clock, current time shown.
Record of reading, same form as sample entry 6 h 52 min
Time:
4 h 48 min
